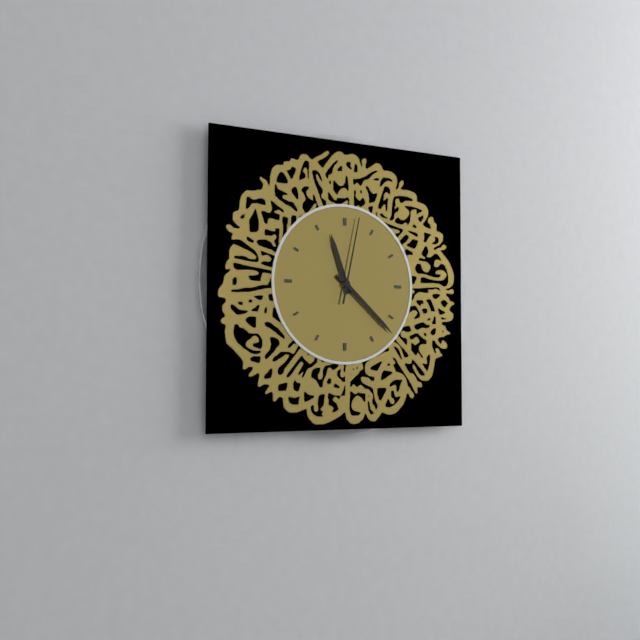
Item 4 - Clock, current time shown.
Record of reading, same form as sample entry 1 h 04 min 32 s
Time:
11 h 22 min 02 s
